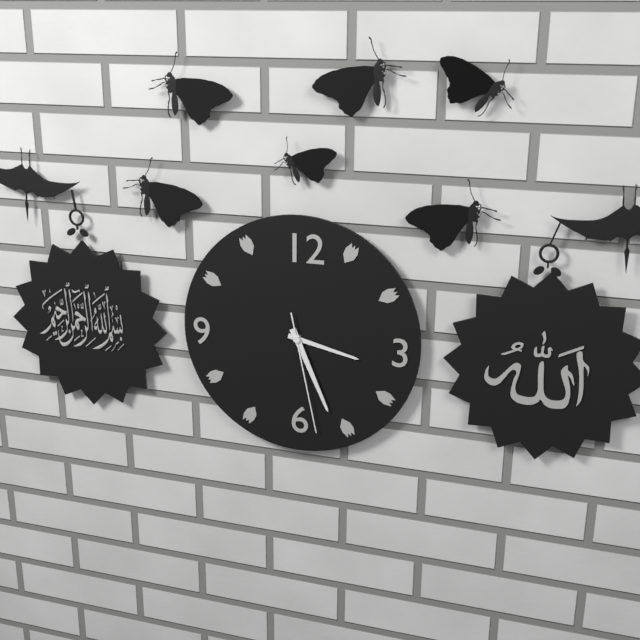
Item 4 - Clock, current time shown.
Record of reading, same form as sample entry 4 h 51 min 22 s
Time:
3 h 26 min 28 s
